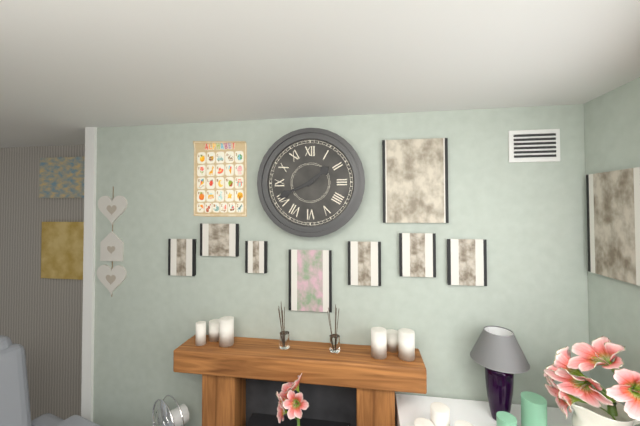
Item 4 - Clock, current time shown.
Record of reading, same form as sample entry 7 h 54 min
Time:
1 h 41 min
